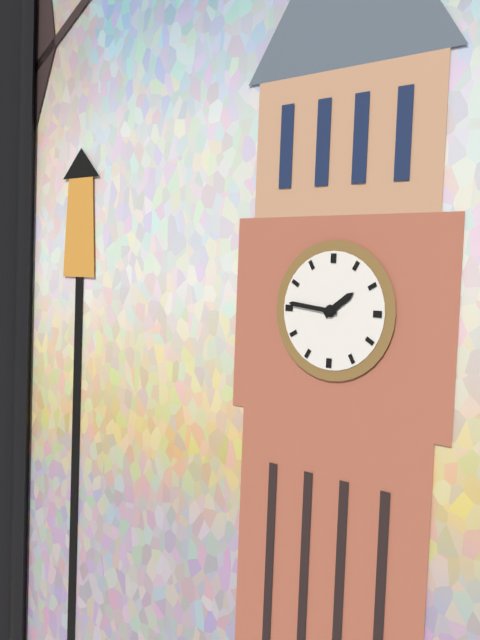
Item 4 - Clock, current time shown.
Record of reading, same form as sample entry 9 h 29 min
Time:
1 h 46 min
